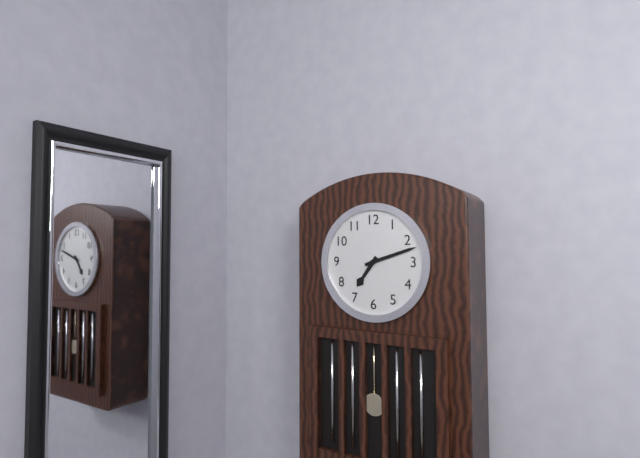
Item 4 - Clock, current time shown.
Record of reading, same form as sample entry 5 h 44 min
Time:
7 h 12 min
